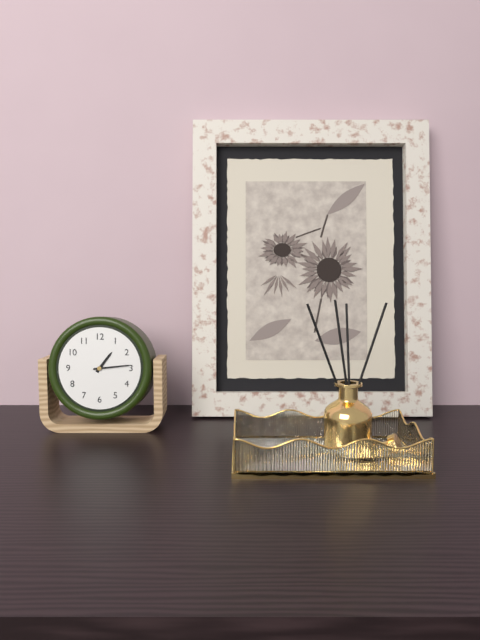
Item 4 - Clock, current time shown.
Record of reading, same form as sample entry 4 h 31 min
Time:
1 h 14 min
